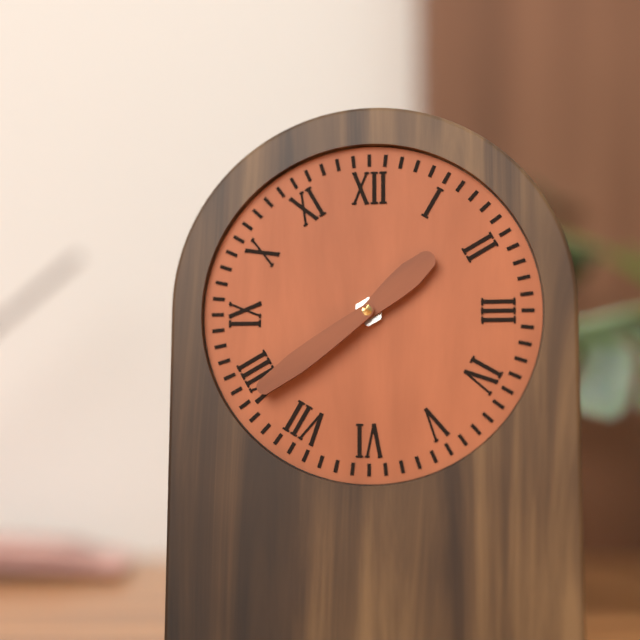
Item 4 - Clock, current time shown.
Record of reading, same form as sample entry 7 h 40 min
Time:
1 h 39 min
